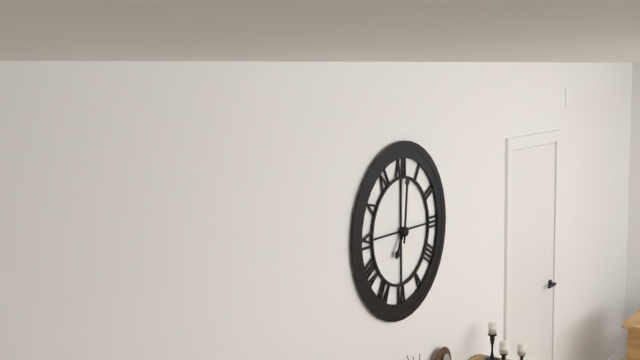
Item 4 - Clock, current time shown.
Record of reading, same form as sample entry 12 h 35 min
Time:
7 h 01 min
